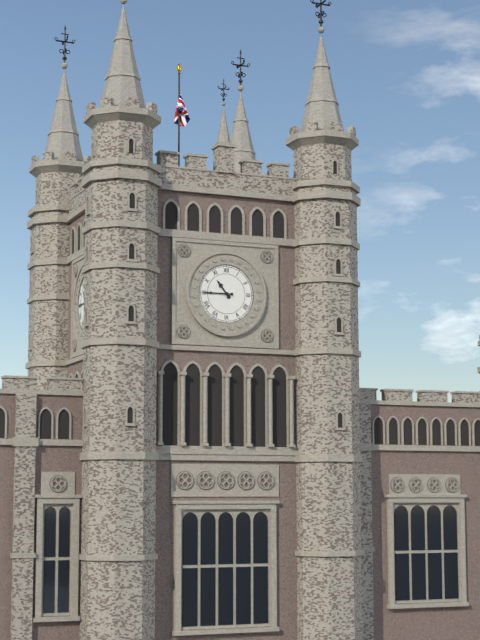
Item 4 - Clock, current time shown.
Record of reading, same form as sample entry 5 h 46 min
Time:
10 h 45 min
